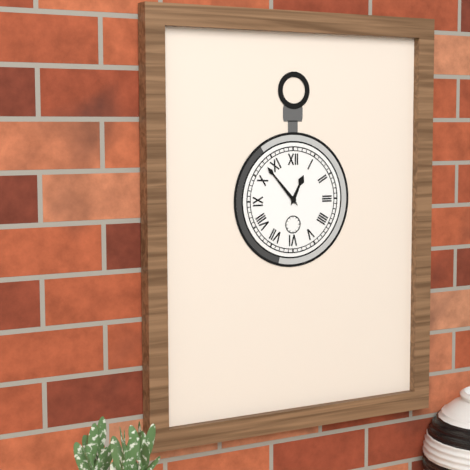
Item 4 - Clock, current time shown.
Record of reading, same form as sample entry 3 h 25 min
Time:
12 h 53 min
